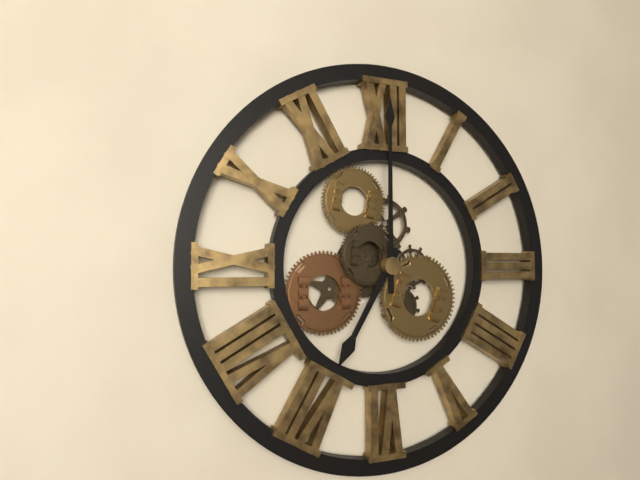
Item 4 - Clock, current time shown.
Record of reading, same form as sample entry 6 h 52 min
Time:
7 h 00 min
